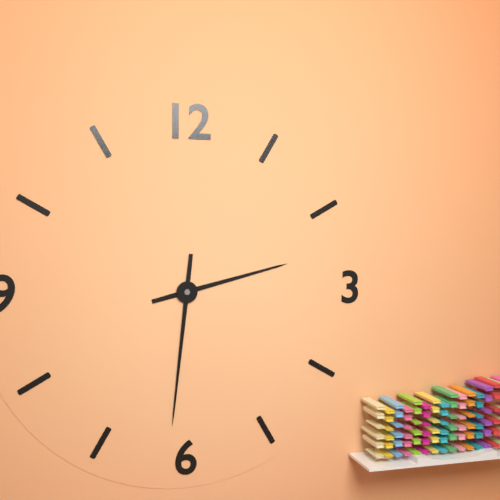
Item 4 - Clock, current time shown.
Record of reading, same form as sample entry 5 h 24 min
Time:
2 h 31 min
